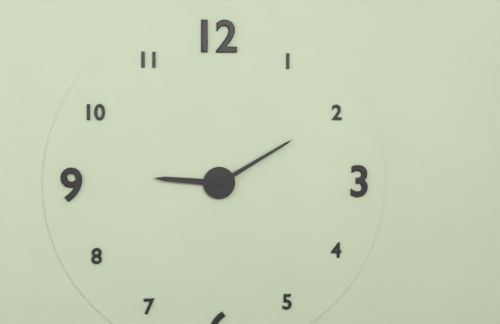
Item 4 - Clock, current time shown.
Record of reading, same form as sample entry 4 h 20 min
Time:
9 h 10 min
